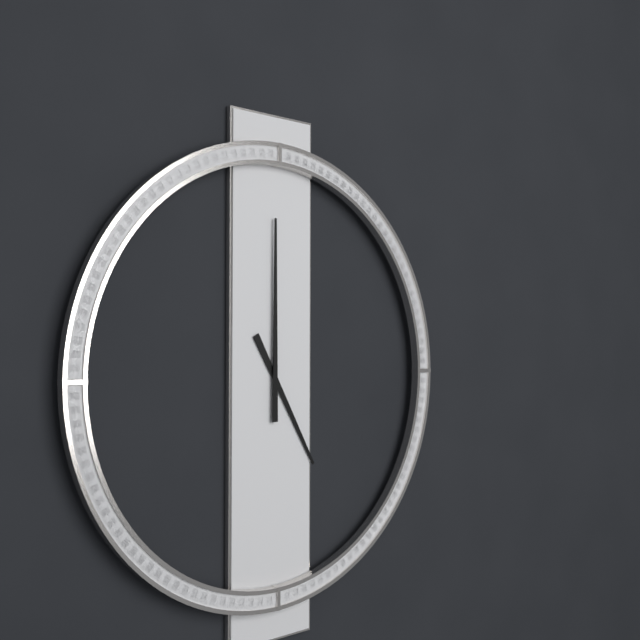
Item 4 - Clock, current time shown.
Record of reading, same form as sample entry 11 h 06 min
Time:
5 h 00 min
